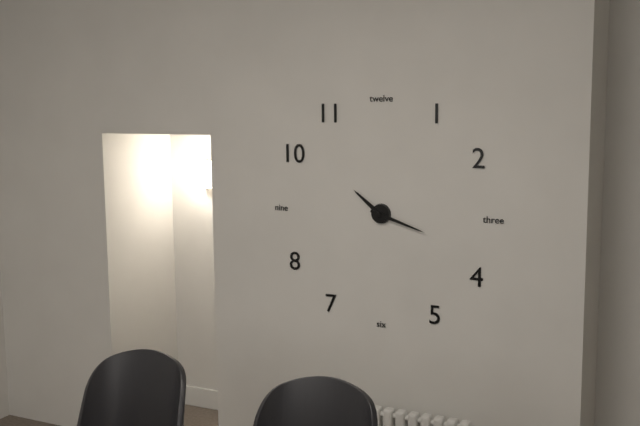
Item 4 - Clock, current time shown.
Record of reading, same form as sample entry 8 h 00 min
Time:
10 h 18 min
